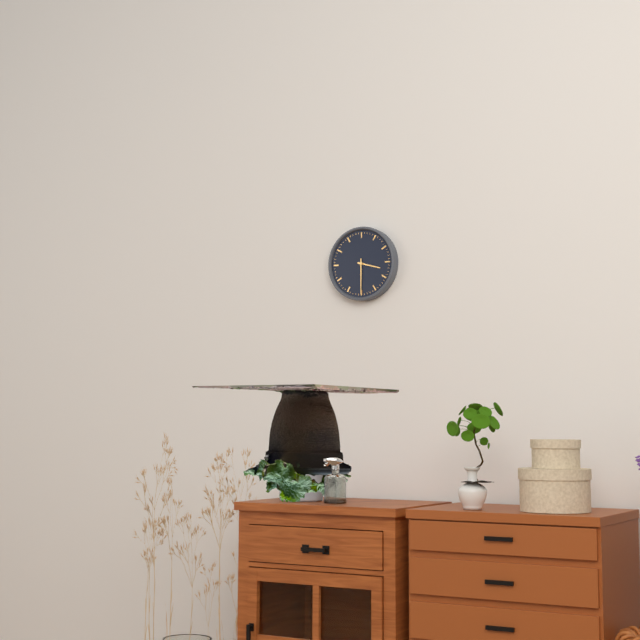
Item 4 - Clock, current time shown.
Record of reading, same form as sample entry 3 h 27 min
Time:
3 h 30 min
